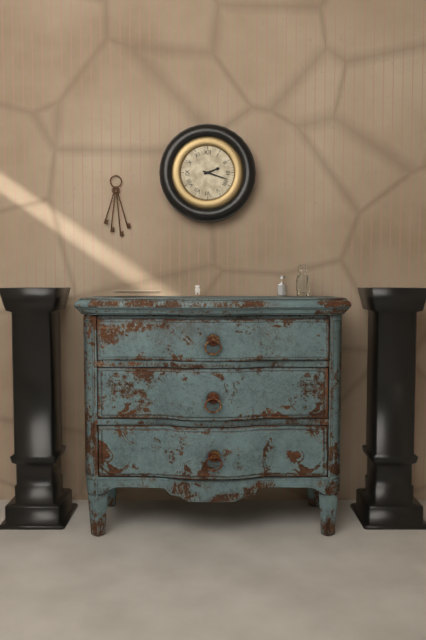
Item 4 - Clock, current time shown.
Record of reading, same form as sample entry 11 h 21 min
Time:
2 h 18 min
